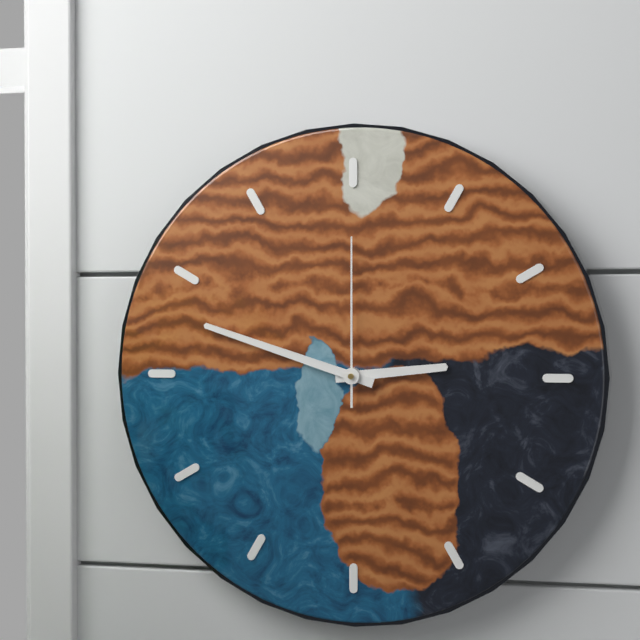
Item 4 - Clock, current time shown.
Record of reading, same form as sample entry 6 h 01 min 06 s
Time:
2 h 48 min 00 s
